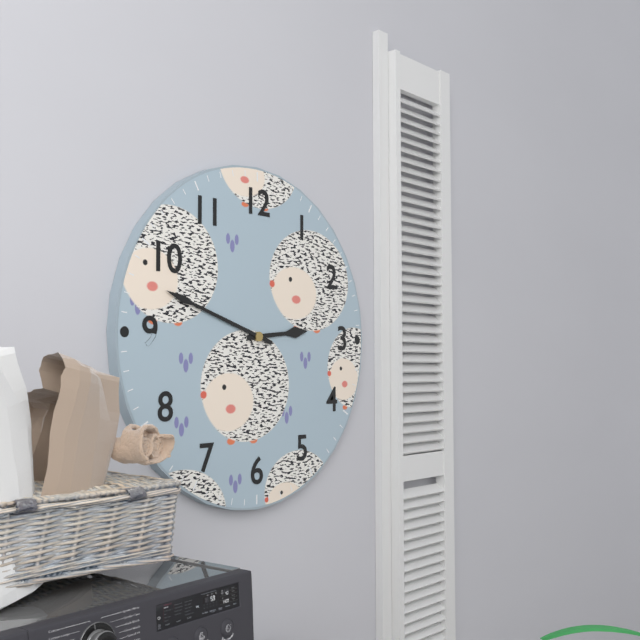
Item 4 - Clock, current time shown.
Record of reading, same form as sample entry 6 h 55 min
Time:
2 h 48 min
